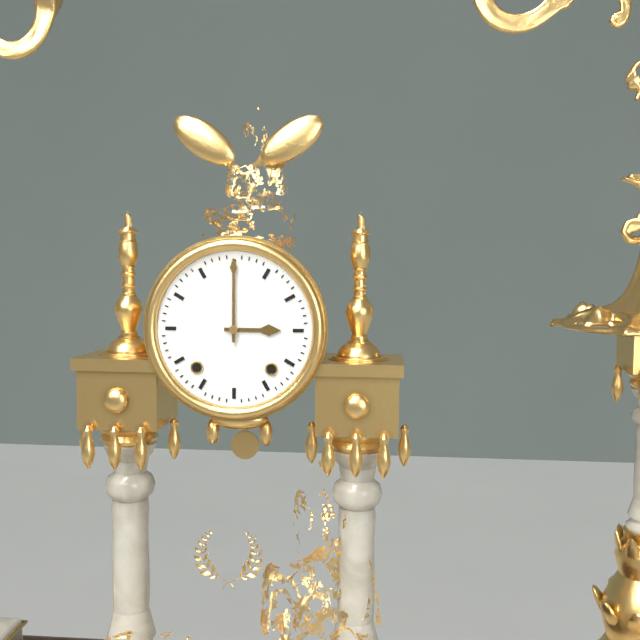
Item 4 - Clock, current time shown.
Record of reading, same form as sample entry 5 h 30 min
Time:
3 h 00 min
